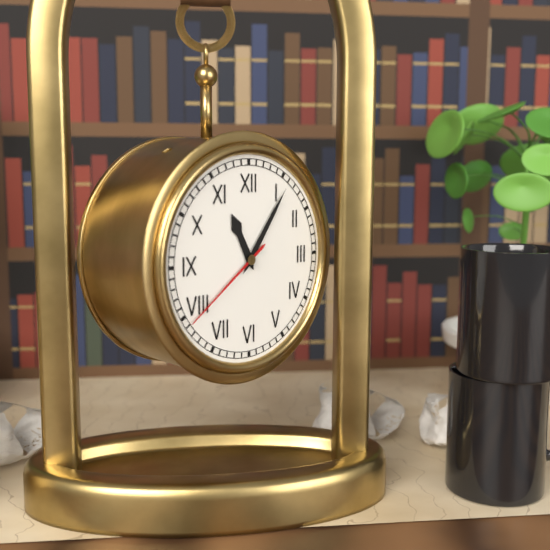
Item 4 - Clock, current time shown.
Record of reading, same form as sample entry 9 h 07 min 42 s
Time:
11 h 06 min 39 s
